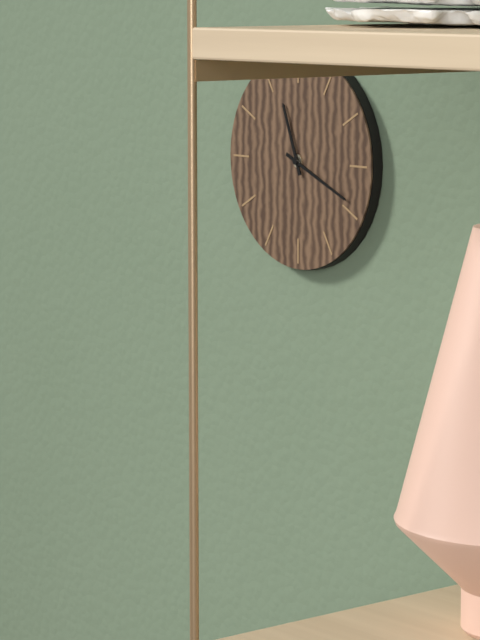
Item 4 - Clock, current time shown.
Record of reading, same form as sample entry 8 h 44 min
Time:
11 h 19 min
